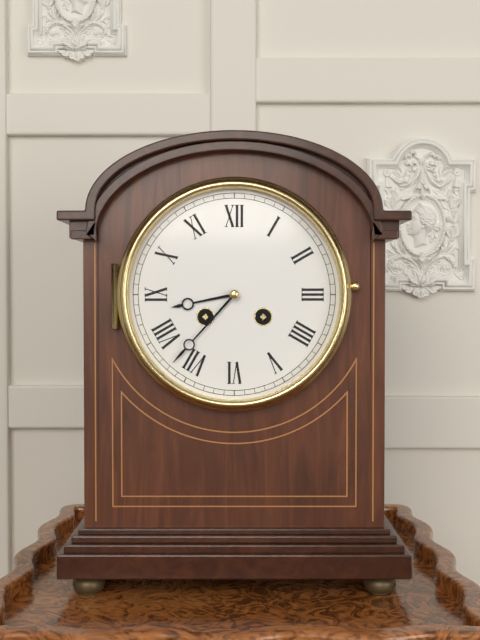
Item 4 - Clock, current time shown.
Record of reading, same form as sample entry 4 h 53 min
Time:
8 h 37 min
